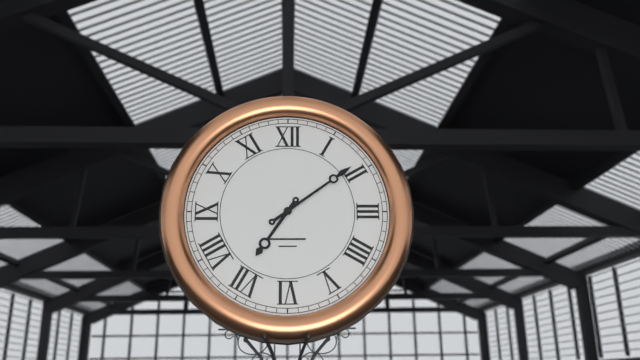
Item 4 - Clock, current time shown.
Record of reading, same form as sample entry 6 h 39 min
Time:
7 h 09 min
